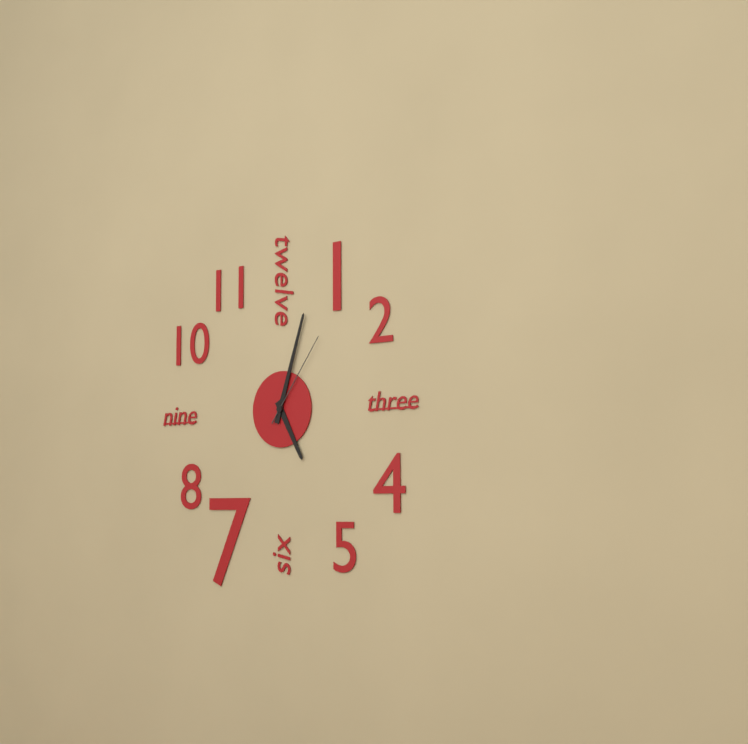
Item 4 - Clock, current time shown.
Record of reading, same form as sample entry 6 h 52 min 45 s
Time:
5 h 03 min 06 s
